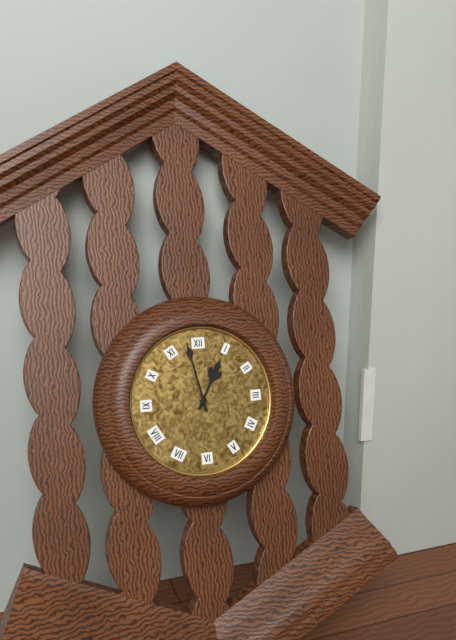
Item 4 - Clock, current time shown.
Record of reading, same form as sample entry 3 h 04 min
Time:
12 h 58 min
